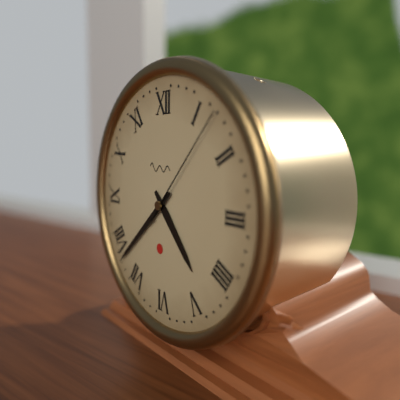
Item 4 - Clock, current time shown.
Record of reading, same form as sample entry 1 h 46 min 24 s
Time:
4 h 38 min 07 s
